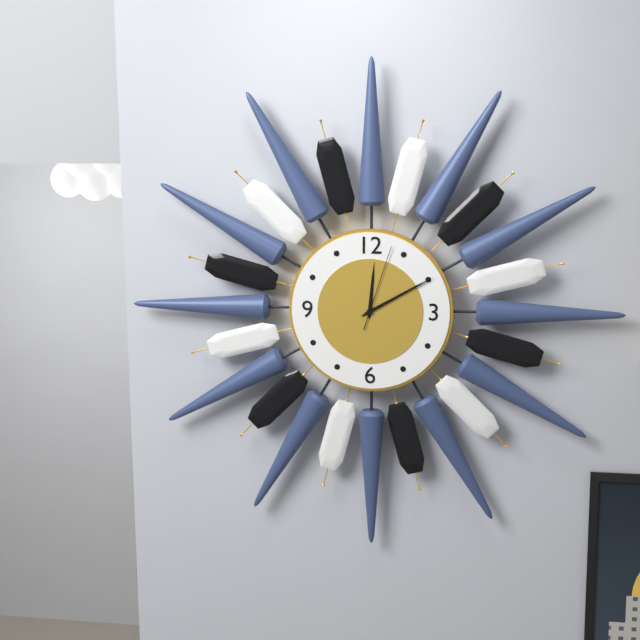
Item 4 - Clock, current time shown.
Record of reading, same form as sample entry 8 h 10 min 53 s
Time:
12 h 10 min 03 s
